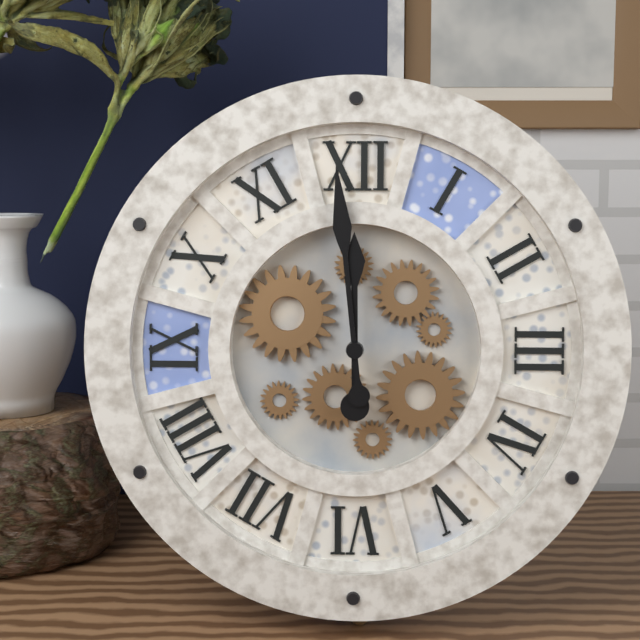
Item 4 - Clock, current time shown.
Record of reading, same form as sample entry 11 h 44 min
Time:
11 h 59 min
